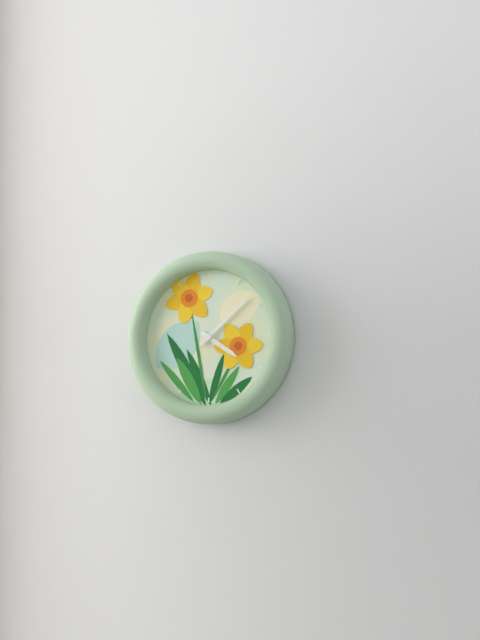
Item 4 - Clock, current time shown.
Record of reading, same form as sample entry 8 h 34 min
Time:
4 h 08 min
